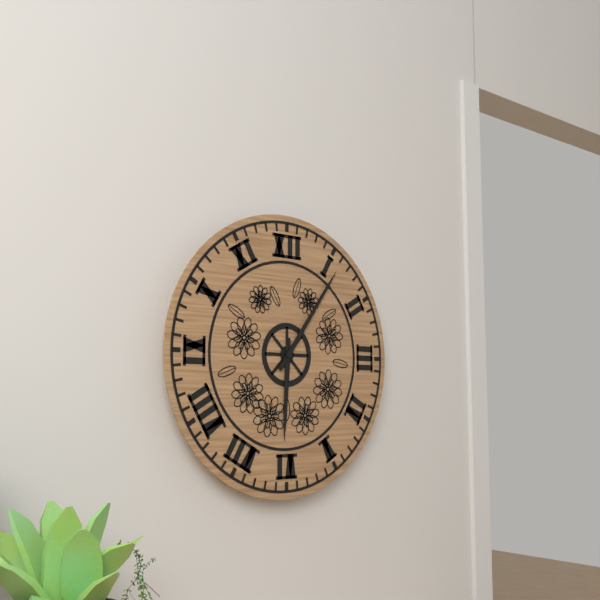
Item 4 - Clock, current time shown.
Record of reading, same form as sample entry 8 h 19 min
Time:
6 h 06 min
